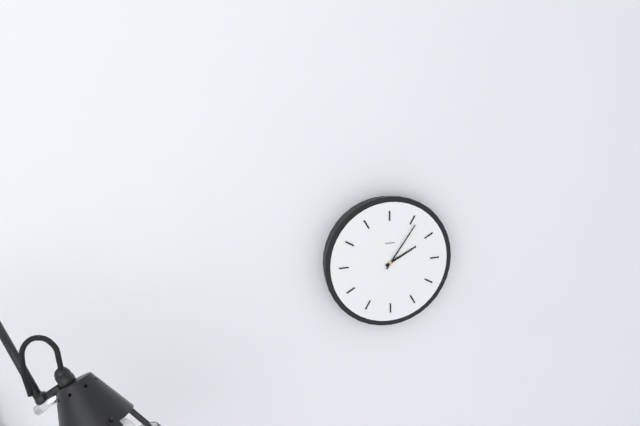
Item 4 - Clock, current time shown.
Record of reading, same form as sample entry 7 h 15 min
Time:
2 h 06 min
